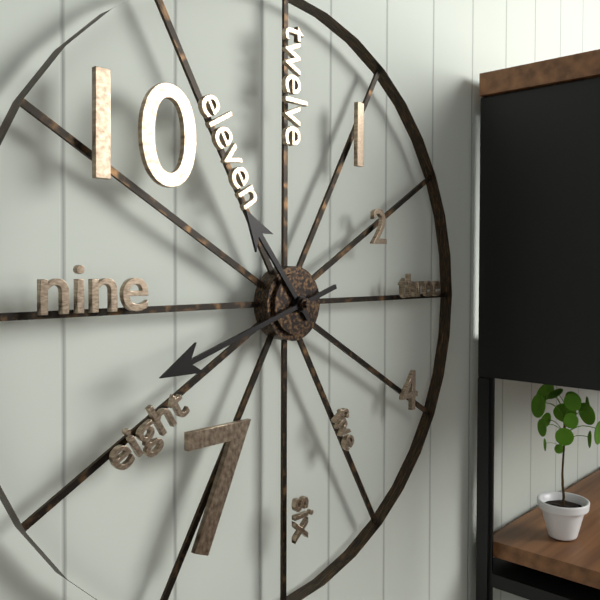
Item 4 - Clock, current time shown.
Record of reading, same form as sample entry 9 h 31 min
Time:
10 h 42 min
